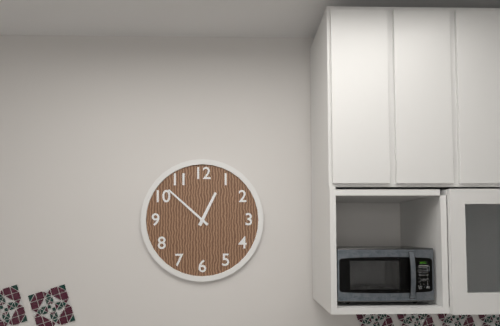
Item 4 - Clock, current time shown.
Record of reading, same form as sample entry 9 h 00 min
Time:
12 h 52 min
